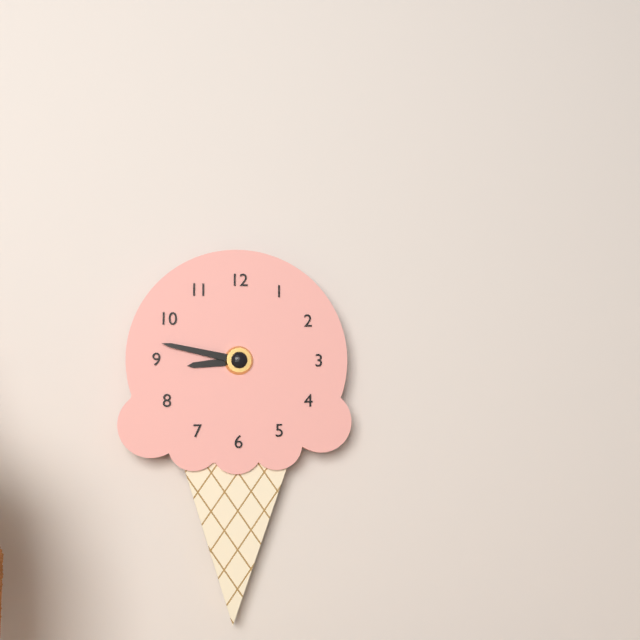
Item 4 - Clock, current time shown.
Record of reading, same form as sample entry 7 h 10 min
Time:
8 h 47 min
